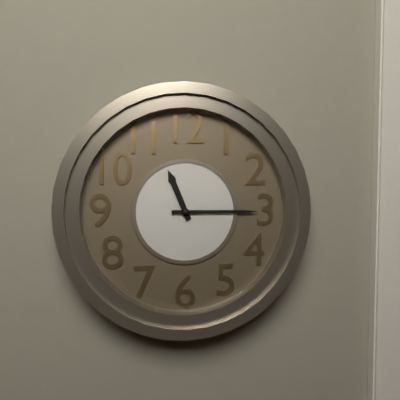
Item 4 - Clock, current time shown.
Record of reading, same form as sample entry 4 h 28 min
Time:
11 h 15 min
